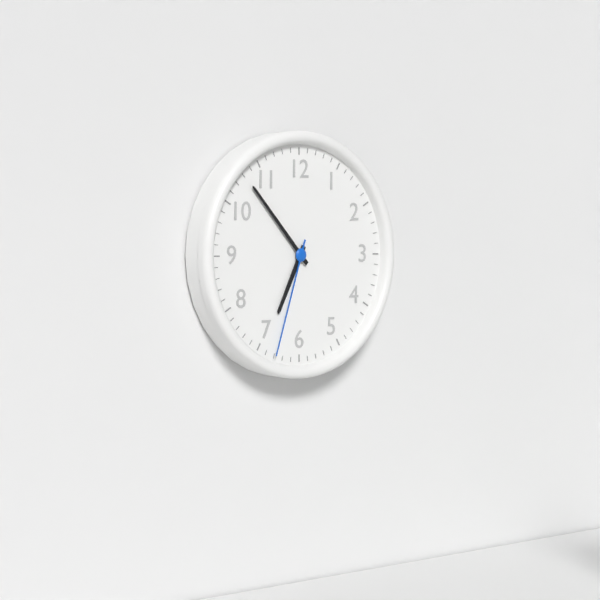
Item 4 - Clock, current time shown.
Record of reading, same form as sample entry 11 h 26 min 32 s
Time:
6 h 53 min 33 s
